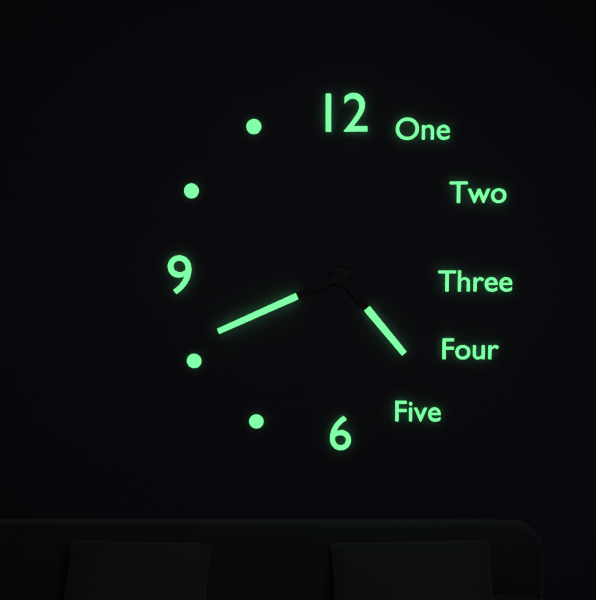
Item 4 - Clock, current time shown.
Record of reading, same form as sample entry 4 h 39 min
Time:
4 h 41 min
